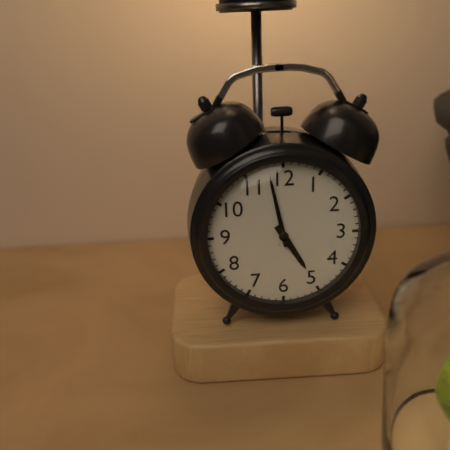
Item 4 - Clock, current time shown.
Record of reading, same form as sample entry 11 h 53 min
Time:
4 h 58 min
